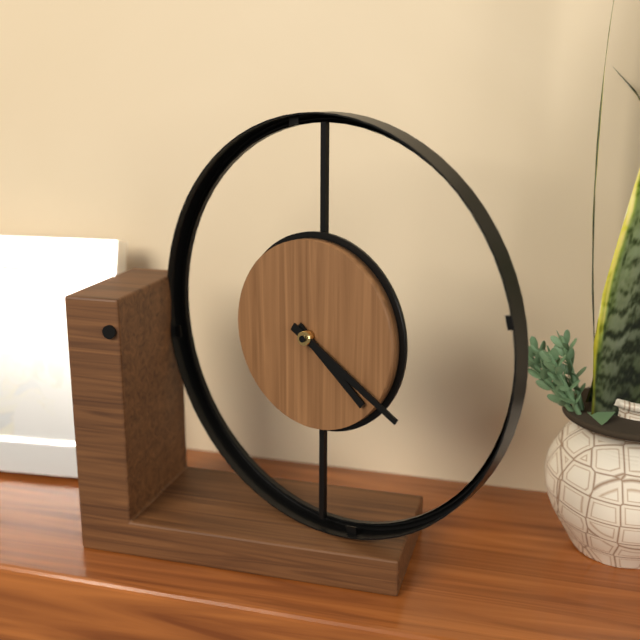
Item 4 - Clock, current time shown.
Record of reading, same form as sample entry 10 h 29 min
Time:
4 h 20 min
